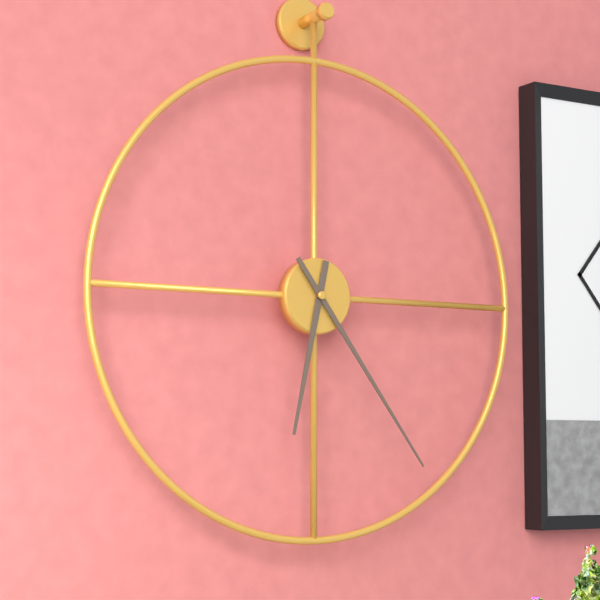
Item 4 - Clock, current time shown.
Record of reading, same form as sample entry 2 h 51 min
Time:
6 h 24 min
